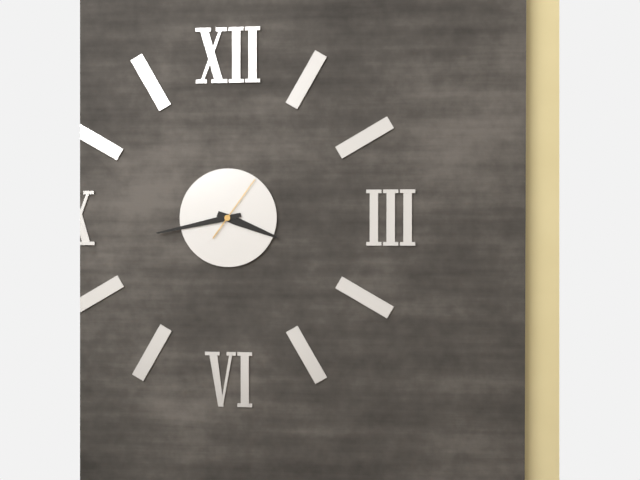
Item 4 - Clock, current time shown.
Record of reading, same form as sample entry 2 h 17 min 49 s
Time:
3 h 43 min 06 s
